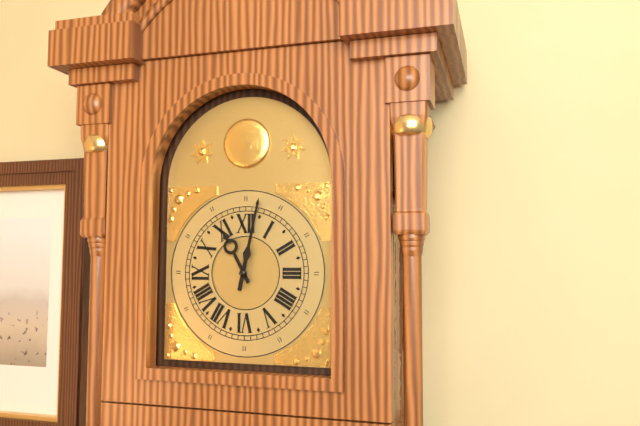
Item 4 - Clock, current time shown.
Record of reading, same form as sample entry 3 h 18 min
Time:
11 h 02 min
